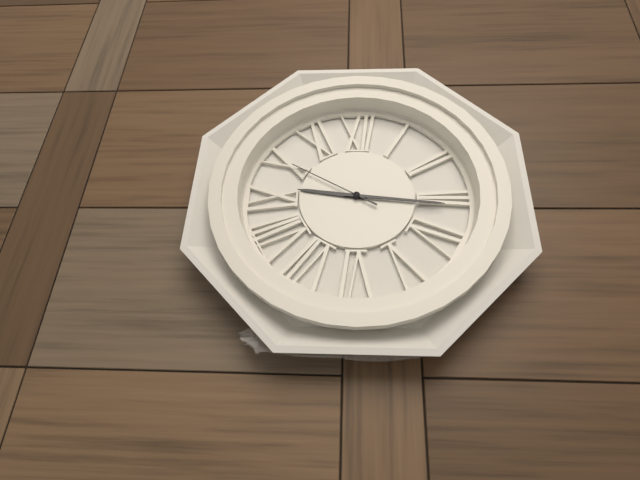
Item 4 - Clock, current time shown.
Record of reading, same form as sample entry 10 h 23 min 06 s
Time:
9 h 16 min 50 s
